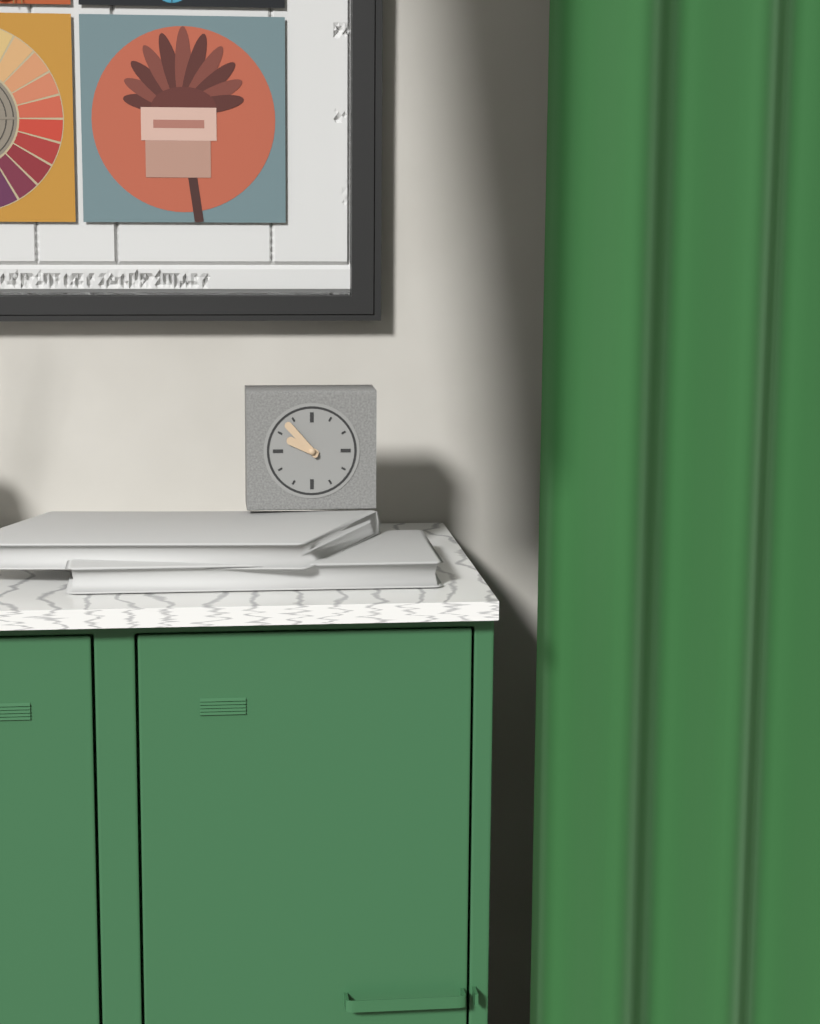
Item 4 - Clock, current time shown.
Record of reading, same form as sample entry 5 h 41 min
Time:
9 h 53 min
